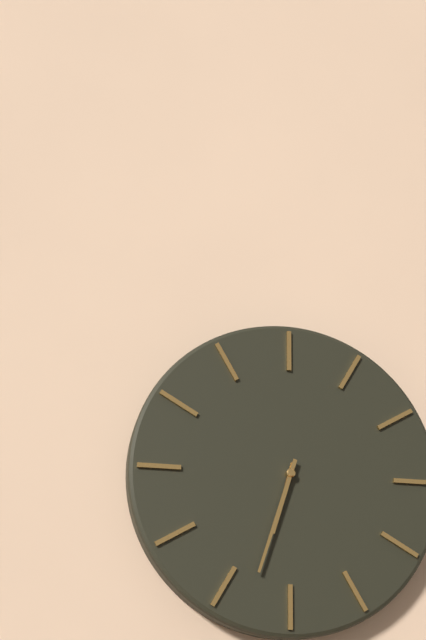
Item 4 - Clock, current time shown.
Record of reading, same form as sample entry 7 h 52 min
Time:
6 h 33 min
